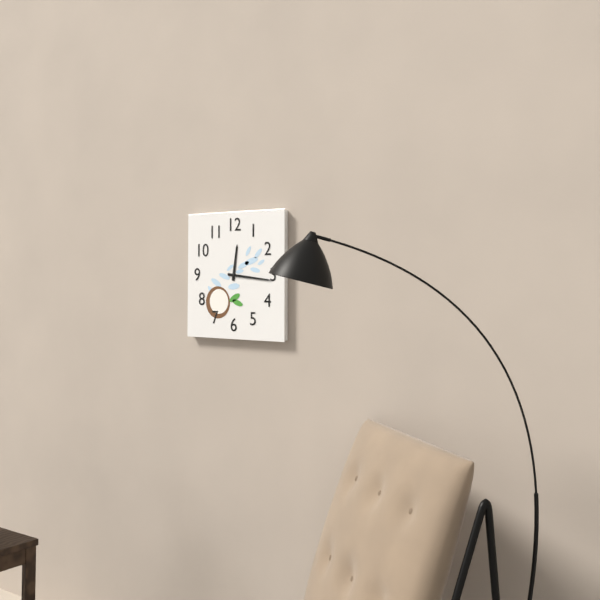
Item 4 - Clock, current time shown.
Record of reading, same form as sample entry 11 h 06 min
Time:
12 h 16 min
